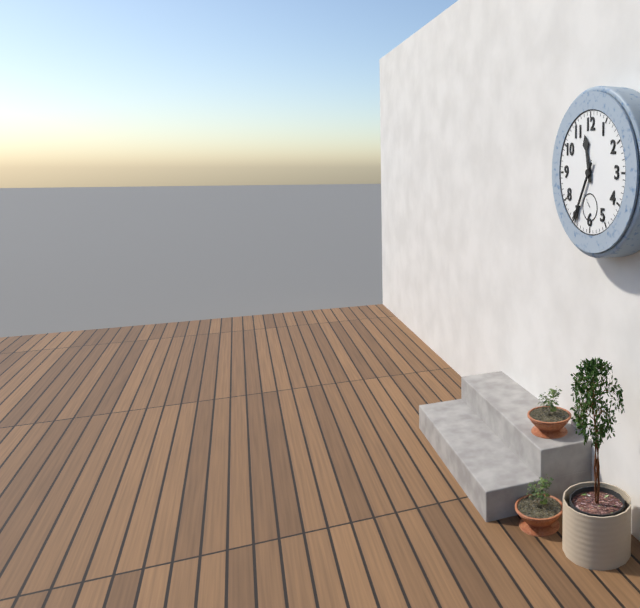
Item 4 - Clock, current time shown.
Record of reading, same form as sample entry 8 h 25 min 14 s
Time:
11 h 35 min 35 s
